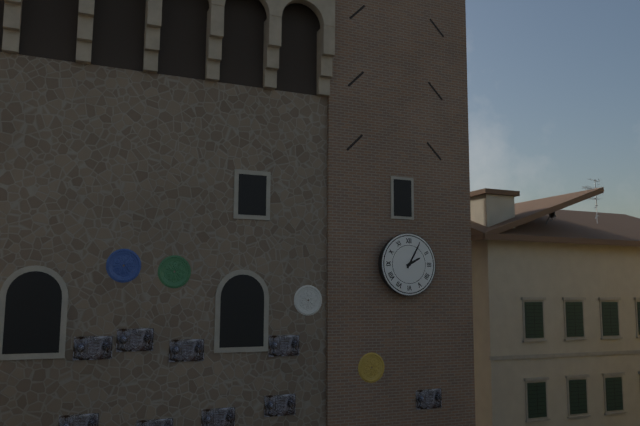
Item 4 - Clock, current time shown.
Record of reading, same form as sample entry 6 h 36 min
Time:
2 h 05 min
